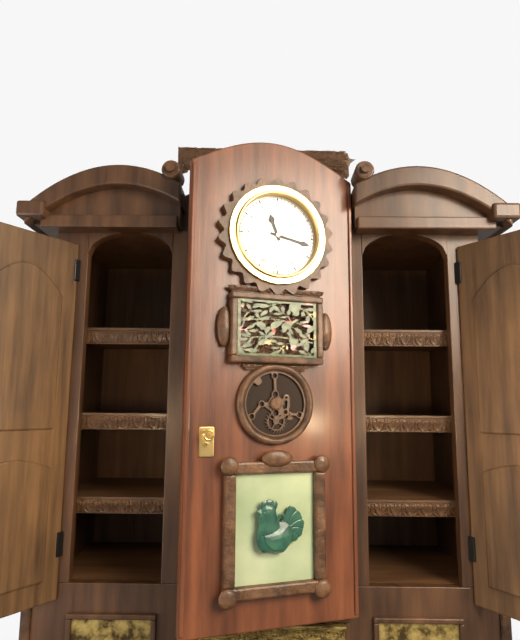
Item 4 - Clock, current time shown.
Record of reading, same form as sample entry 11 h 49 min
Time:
11 h 17 min
